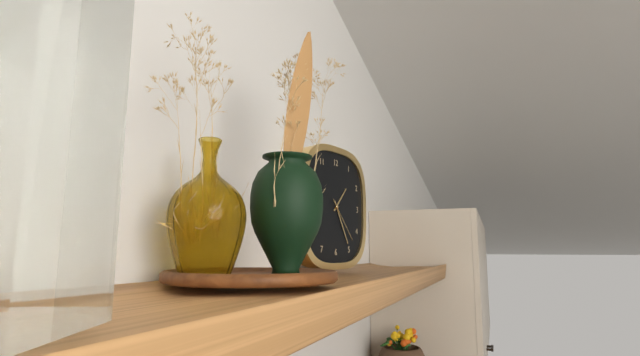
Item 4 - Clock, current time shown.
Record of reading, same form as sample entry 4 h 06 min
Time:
1 h 25 min
